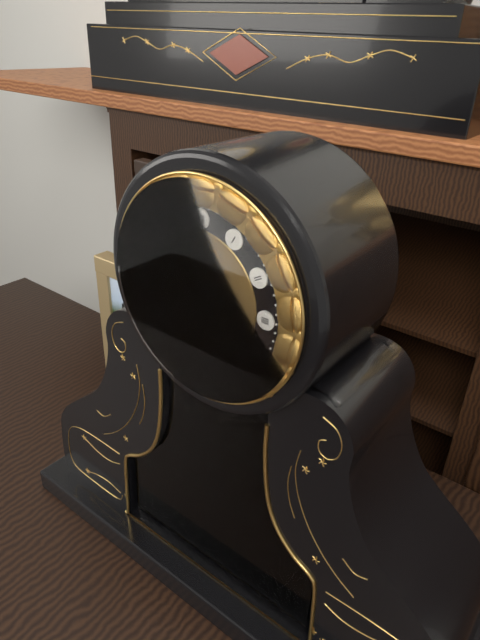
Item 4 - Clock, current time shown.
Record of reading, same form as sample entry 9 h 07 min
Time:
6 h 48 min
